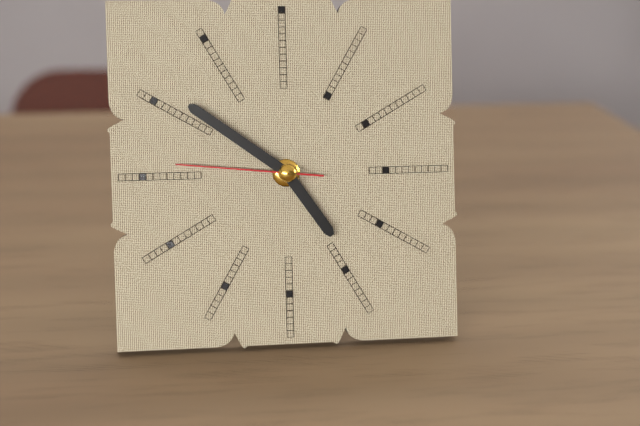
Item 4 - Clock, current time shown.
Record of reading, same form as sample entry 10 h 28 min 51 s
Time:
4 h 51 min 46 s
